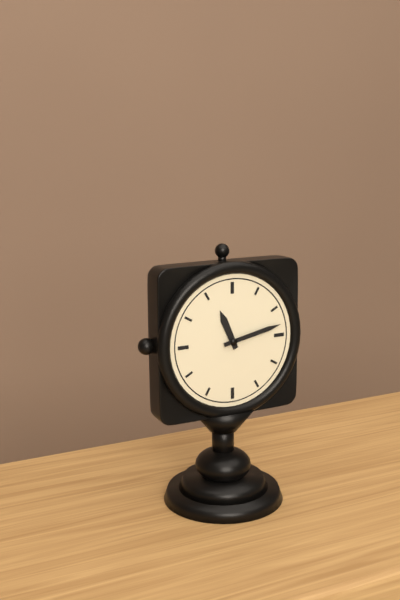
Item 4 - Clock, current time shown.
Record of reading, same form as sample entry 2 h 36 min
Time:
11 h 13 min
